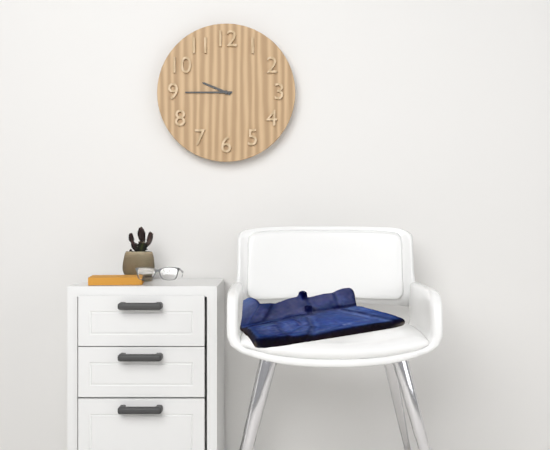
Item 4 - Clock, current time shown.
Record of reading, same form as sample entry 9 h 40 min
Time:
9 h 45 min
